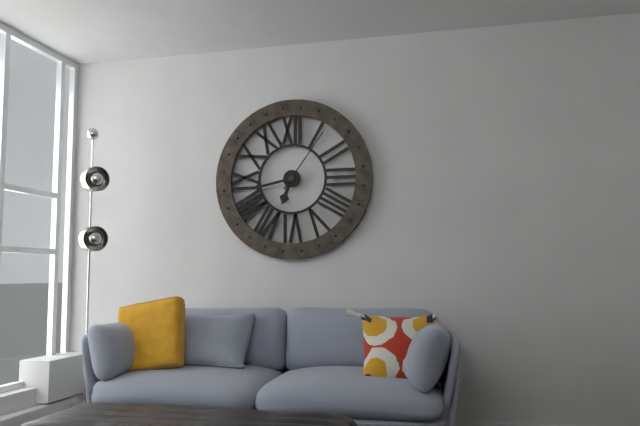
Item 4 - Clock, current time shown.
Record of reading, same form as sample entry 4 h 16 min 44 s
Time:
6 h 43 min 06 s
